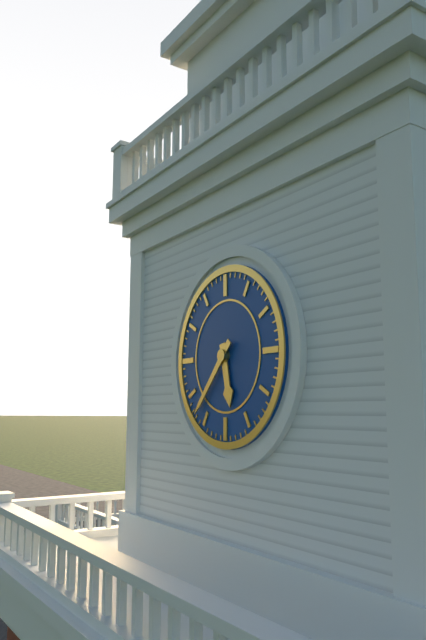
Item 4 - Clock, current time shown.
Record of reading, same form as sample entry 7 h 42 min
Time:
5 h 37 min
